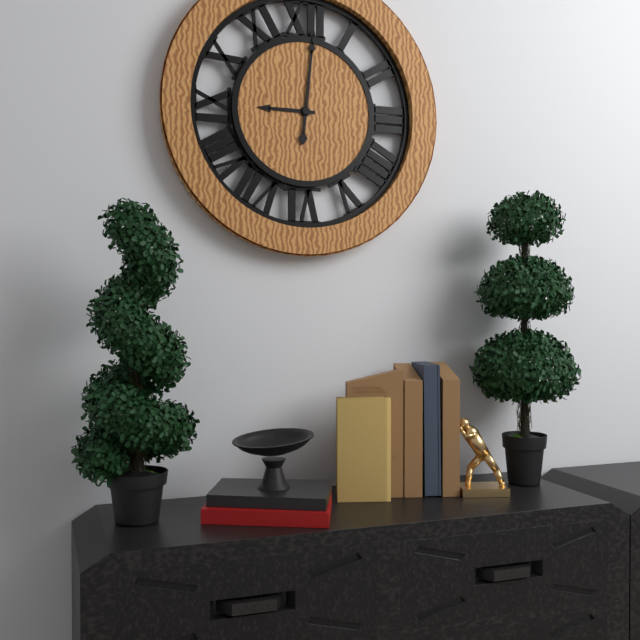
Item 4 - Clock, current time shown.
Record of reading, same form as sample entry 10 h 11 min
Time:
9 h 01 min
